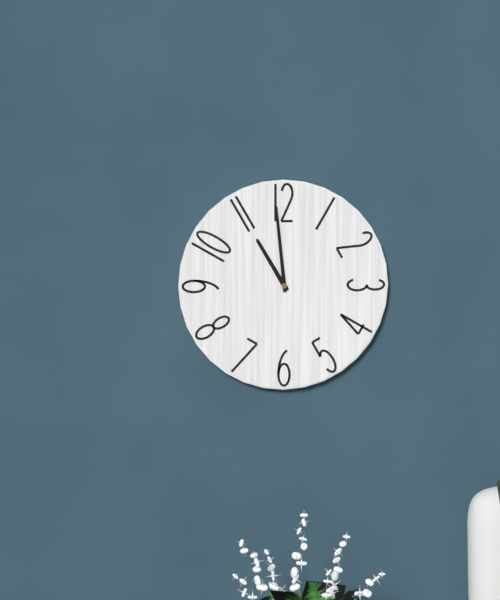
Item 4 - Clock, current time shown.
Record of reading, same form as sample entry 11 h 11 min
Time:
10 h 59 min
